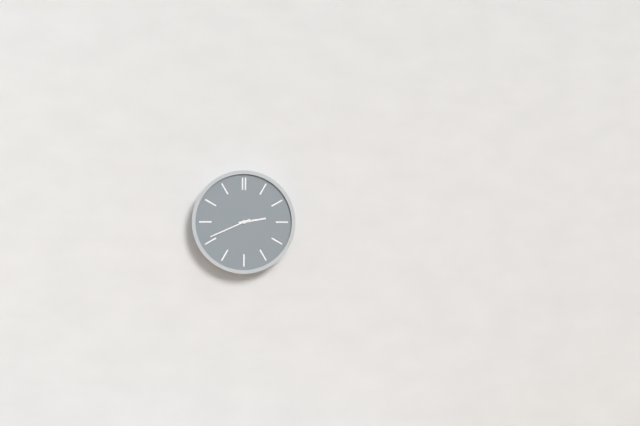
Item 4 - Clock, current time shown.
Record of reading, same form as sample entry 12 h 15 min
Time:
2 h 41 min
